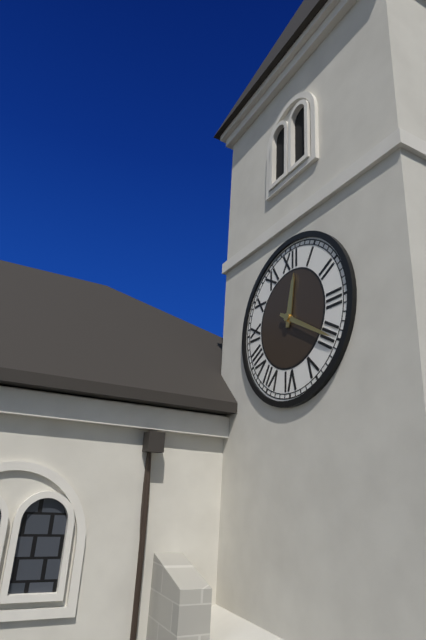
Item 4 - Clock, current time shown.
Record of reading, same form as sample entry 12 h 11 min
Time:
12 h 20 min
